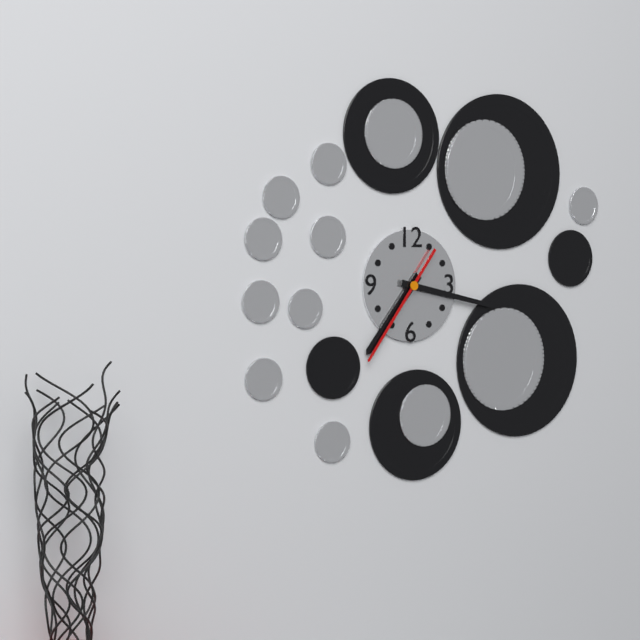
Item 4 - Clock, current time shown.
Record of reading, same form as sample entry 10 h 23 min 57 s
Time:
7 h 17 min 36 s
